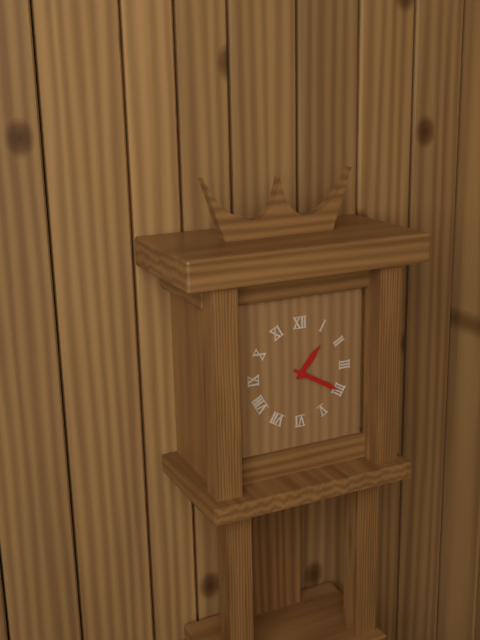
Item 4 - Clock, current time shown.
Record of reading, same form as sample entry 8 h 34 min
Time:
1 h 20 min
